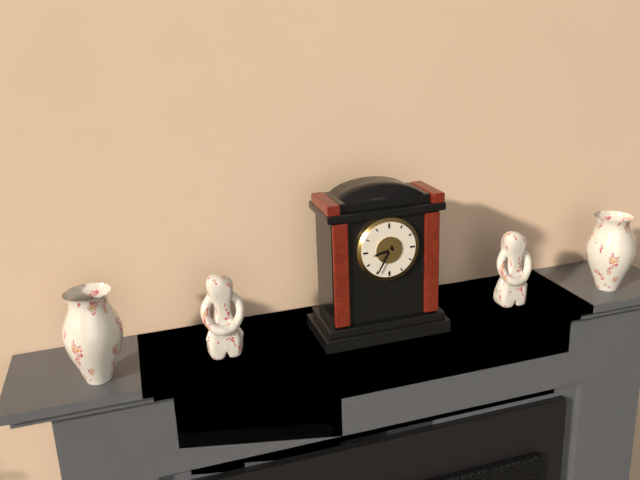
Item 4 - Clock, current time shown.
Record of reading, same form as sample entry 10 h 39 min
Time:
8 h 35 min
